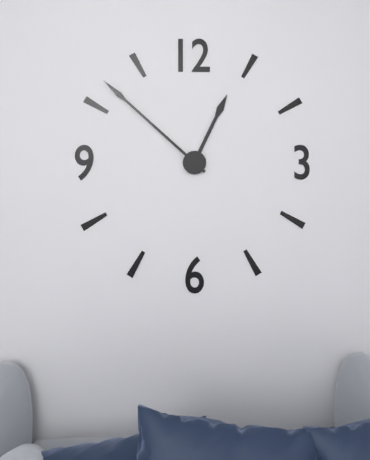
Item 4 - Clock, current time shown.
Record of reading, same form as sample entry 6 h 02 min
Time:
12 h 52 min
